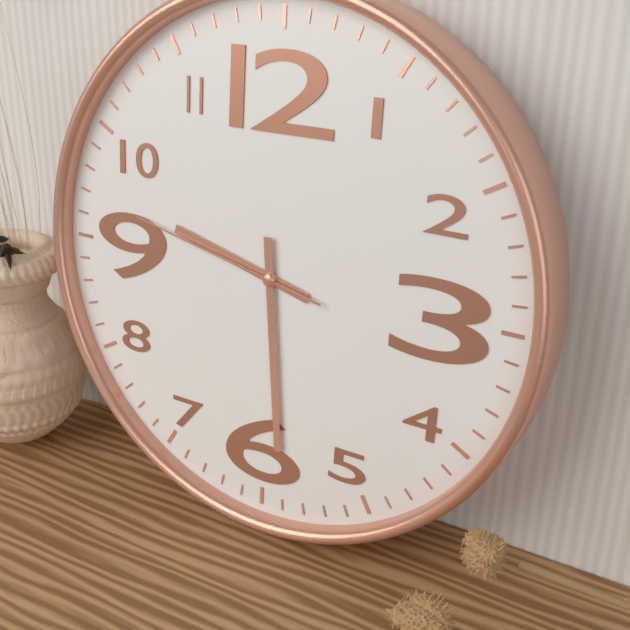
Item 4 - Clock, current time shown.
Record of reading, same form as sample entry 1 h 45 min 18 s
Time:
9 h 29 min 47 s
